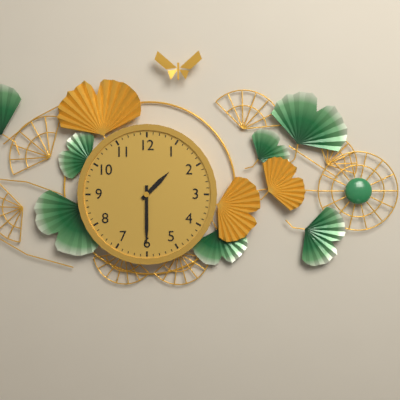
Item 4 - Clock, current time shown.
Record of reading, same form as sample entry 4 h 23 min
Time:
1 h 30 min
